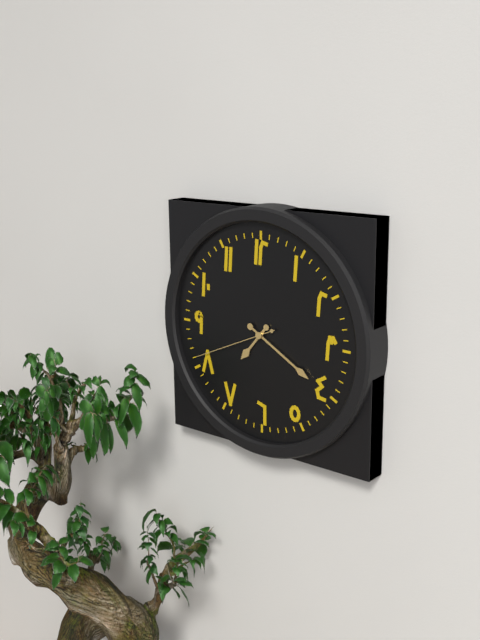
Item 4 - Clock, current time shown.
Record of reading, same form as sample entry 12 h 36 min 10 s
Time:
7 h 20 min 41 s
